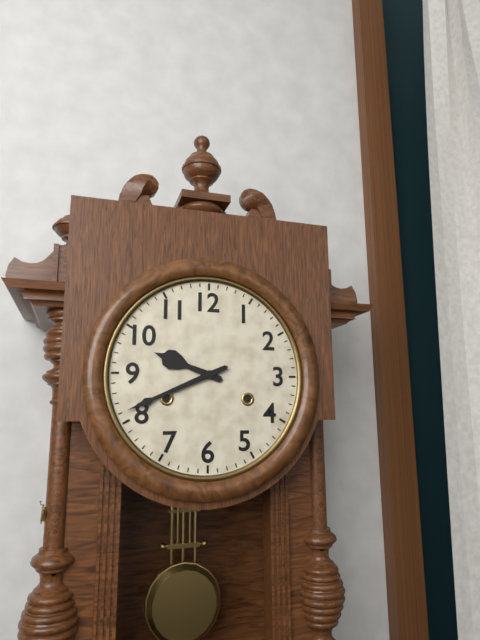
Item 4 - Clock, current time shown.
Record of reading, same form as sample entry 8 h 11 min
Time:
9 h 41 min
